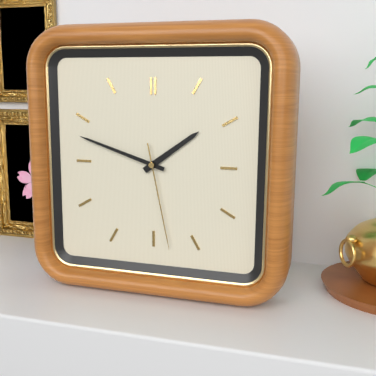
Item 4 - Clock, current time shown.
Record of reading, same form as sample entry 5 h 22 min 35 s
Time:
1 h 48 min 28 s
